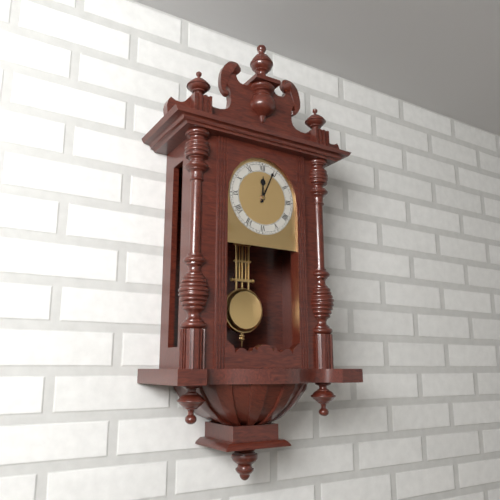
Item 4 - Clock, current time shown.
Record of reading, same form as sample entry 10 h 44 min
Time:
12 h 04 min
